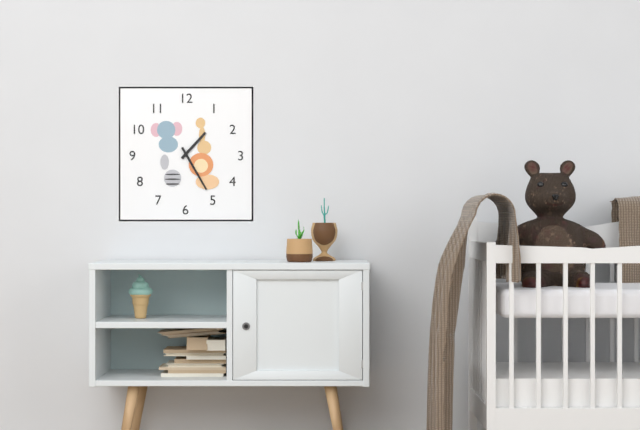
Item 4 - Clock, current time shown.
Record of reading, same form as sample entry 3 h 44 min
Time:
1 h 25 min
